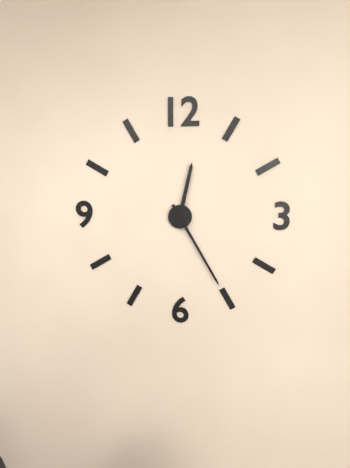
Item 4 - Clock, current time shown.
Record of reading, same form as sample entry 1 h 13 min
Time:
12 h 25 min
